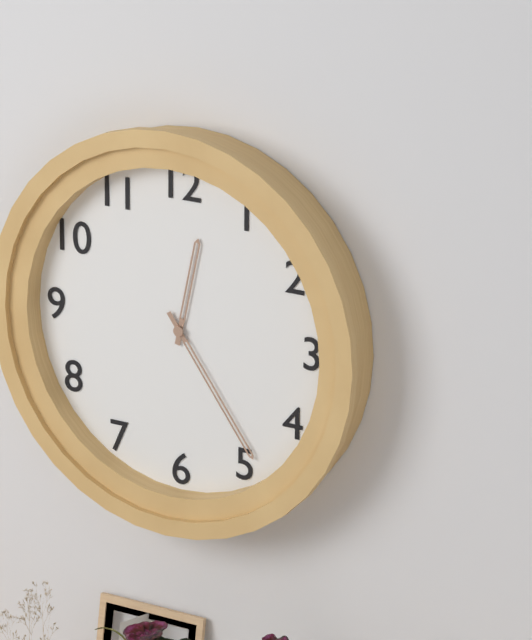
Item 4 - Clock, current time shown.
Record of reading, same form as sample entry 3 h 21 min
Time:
12 h 24 min
